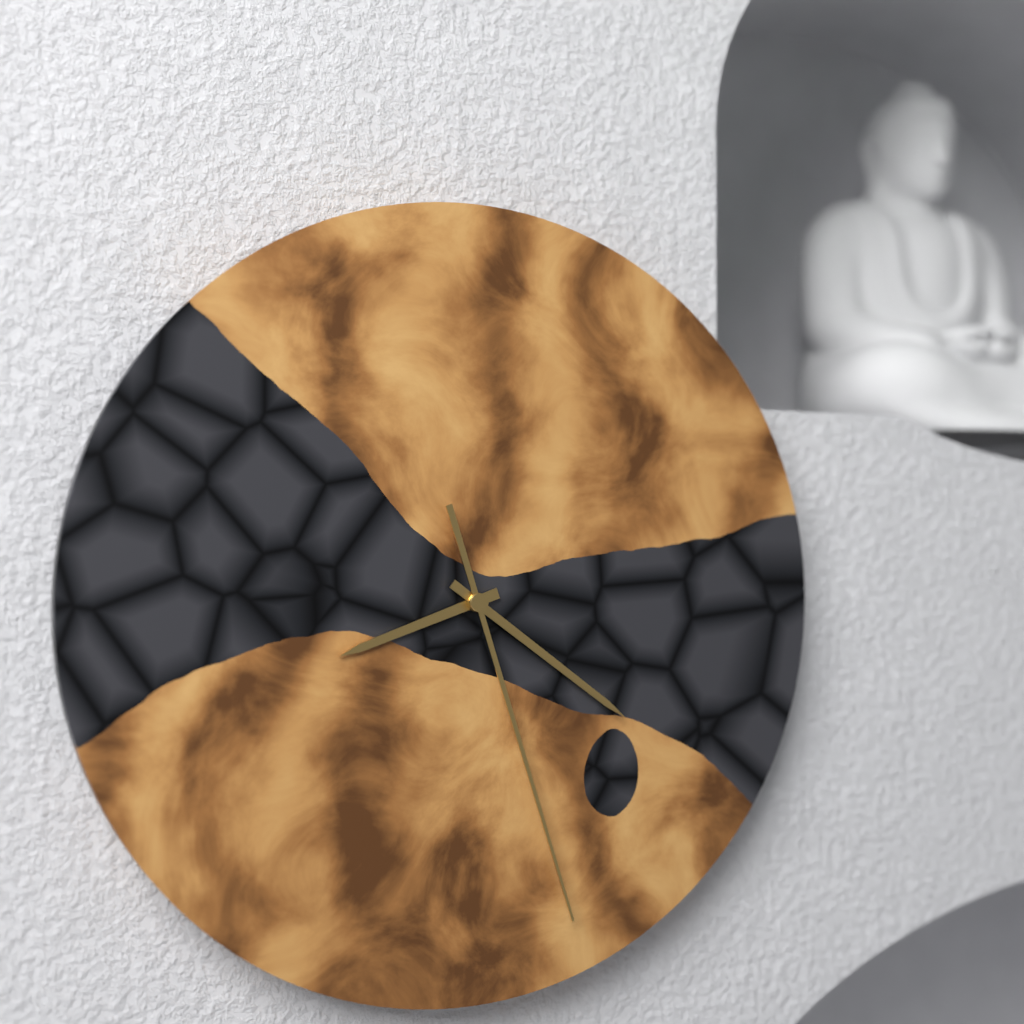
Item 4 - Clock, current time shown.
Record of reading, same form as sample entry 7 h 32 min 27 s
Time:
8 h 21 min 27 s
